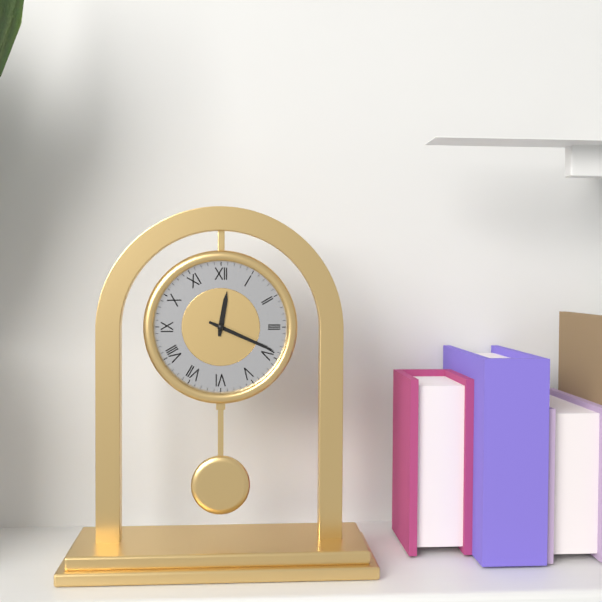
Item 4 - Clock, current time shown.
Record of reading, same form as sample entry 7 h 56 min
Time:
12 h 19 min
